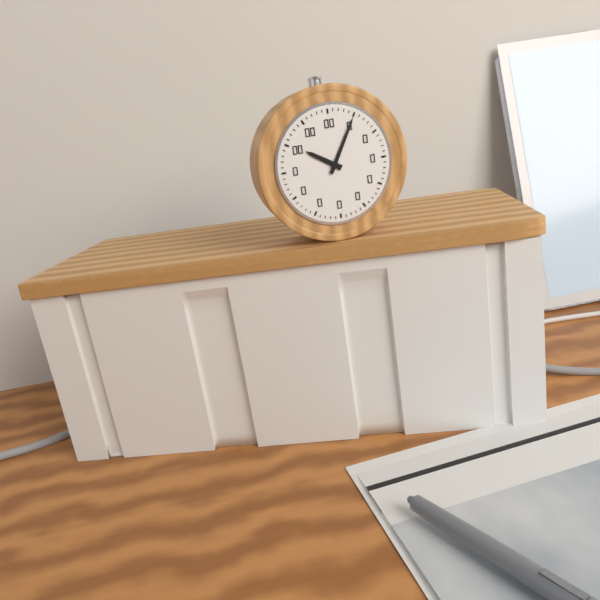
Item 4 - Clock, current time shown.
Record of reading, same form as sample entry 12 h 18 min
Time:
10 h 05 min
